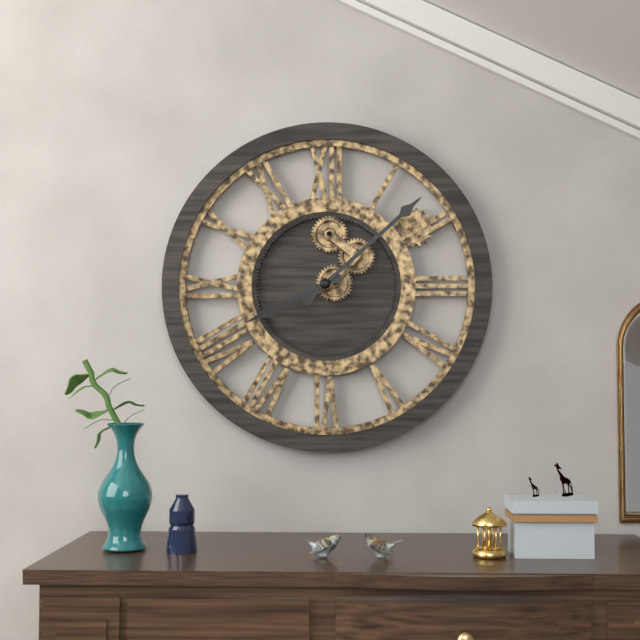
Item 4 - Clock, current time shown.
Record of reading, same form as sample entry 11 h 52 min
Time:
8 h 08 min
